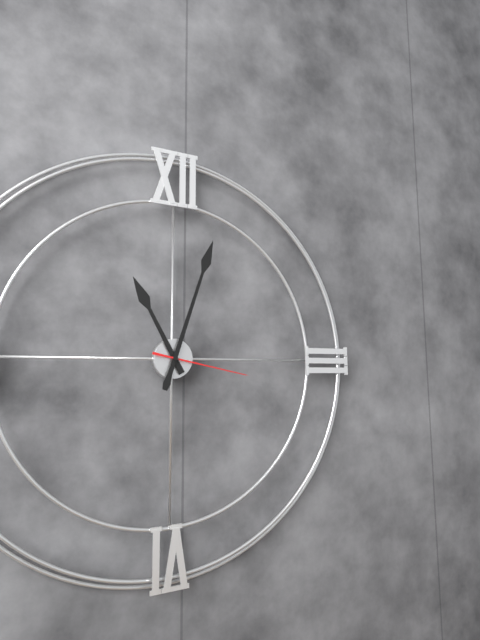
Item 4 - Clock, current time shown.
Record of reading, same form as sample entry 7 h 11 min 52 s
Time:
11 h 03 min 17 s
